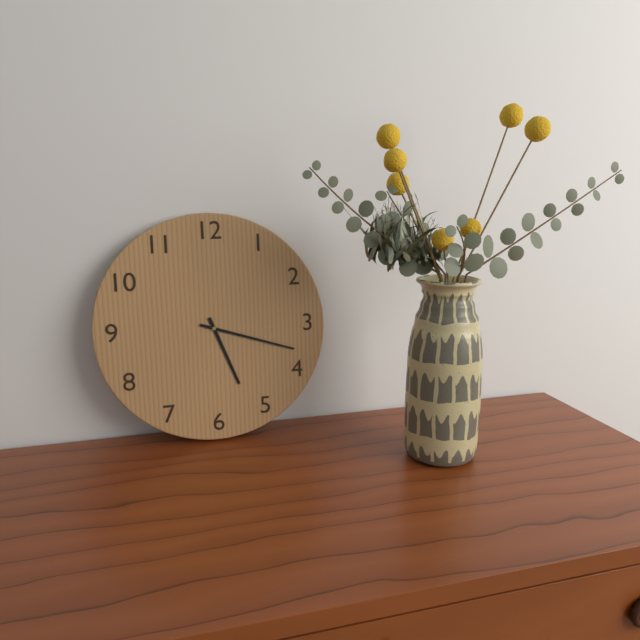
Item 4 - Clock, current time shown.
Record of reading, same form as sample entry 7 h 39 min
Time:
5 h 18 min
